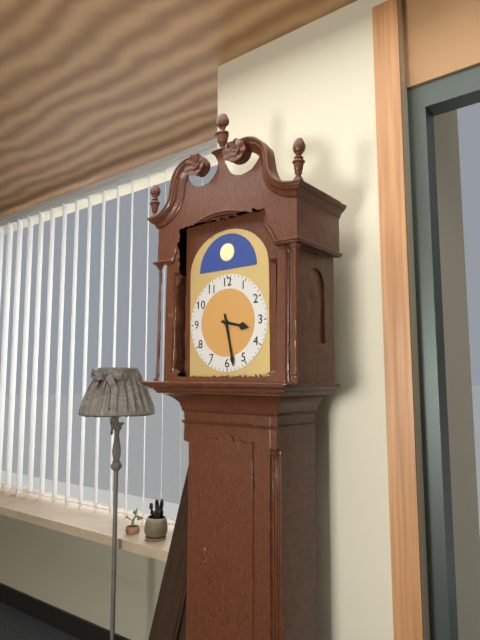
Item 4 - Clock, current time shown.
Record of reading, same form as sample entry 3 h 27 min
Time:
3 h 28 min
